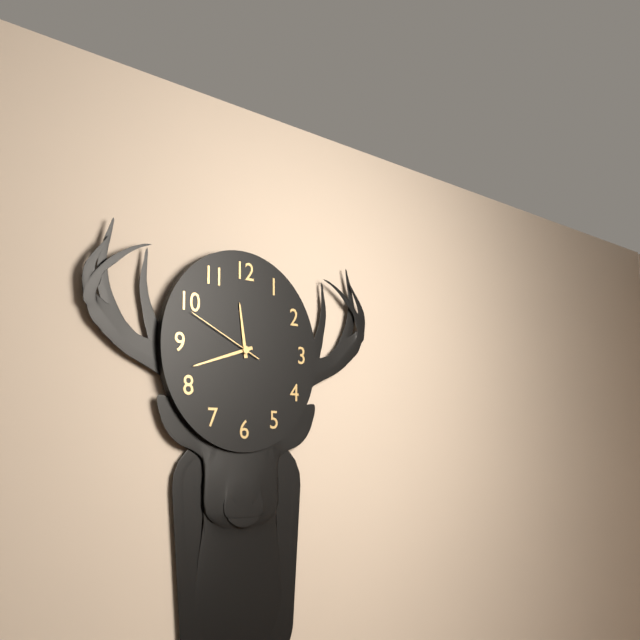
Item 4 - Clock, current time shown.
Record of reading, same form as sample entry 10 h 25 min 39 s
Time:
11 h 42 min 49 s
